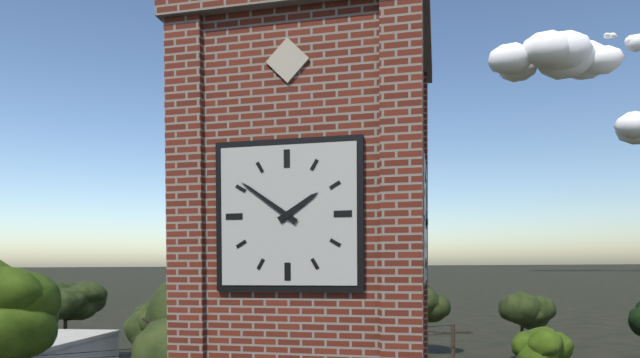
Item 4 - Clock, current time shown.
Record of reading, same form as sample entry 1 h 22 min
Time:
1 h 51 min
